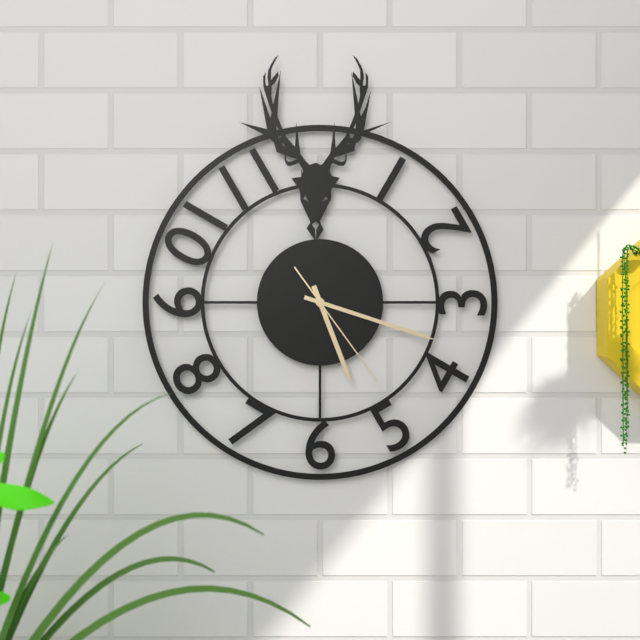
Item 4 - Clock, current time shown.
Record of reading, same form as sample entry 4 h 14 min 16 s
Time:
5 h 18 min 24 s
